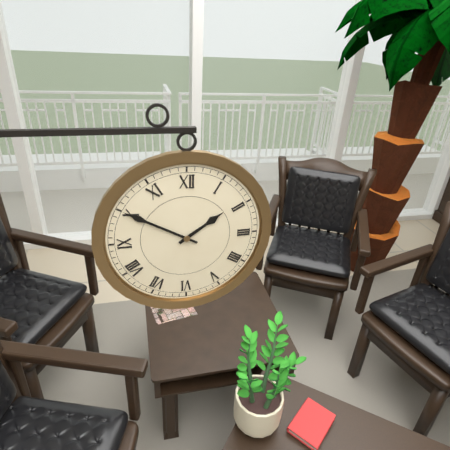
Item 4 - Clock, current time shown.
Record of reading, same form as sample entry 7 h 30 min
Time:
1 h 50 min
